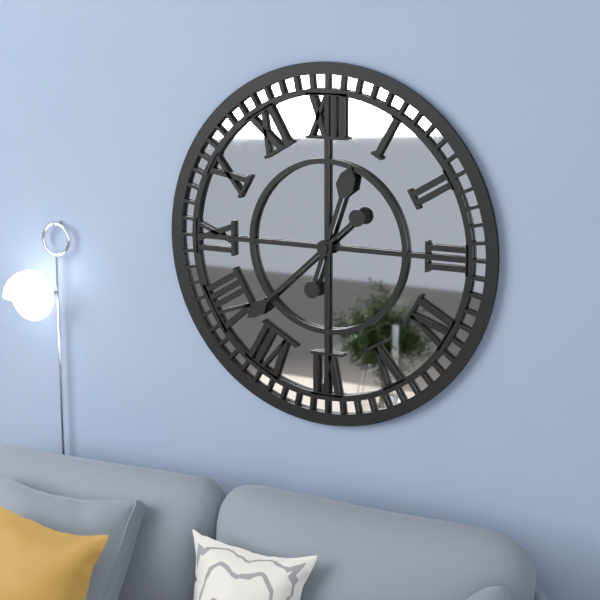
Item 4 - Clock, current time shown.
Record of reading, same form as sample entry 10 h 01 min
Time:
12 h 38 min
